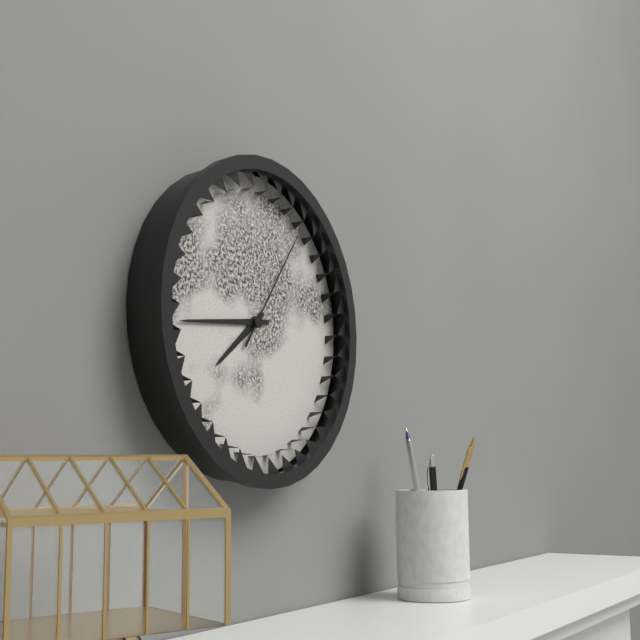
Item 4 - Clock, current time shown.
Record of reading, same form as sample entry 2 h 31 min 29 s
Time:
7 h 44 min 06 s
